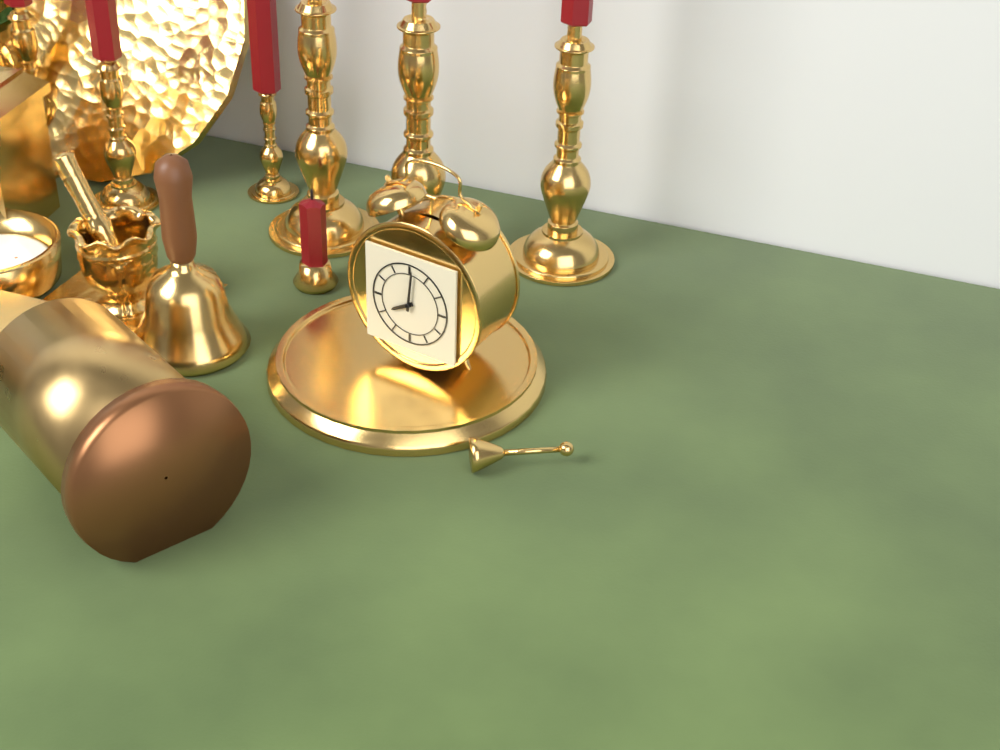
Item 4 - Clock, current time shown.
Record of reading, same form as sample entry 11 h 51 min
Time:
8 h 01 min
